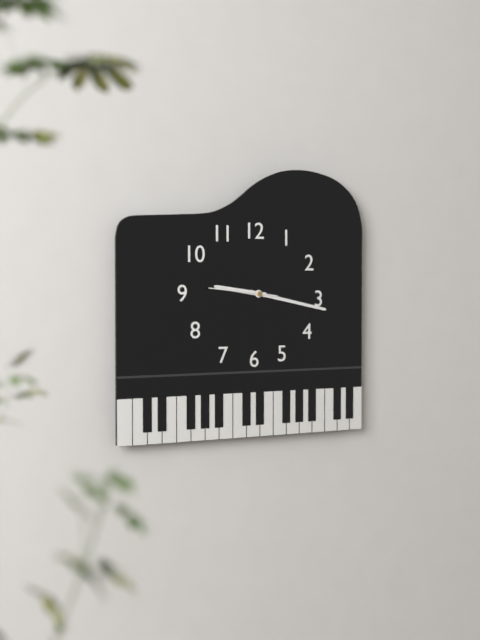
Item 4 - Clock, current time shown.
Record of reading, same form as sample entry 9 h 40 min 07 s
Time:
9 h 17 min 46 s
